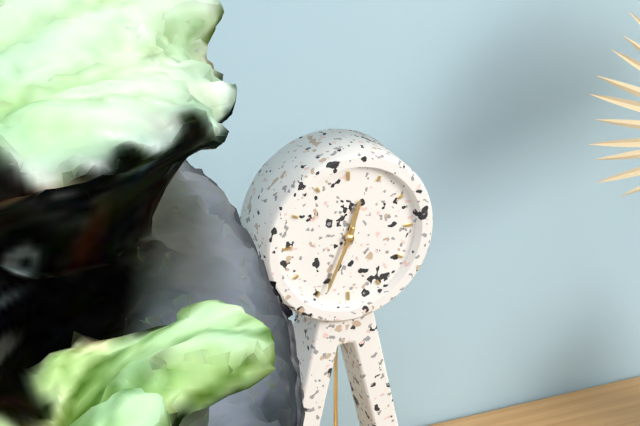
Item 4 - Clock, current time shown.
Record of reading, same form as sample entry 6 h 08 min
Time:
12 h 34 min
